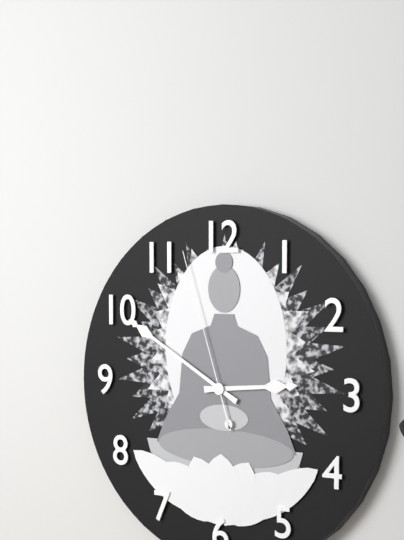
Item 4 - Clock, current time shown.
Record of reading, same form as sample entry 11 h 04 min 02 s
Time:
2 h 50 min 57 s
